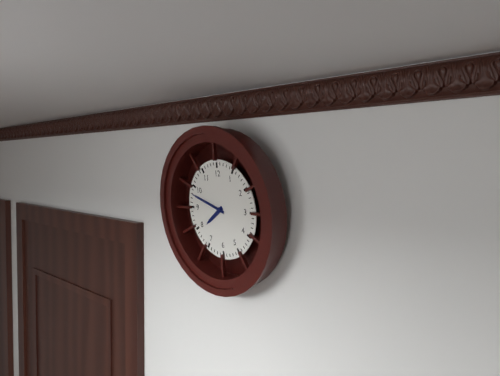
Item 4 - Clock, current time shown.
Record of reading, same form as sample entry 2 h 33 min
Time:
7 h 48 min
